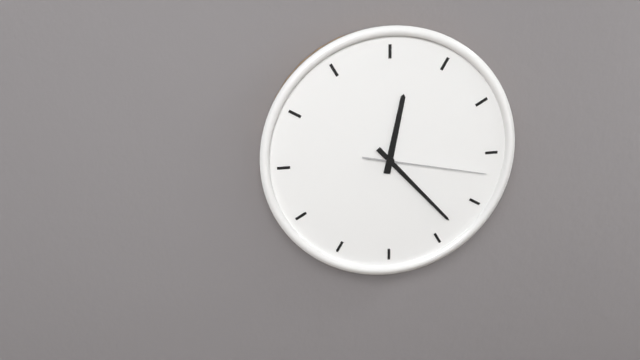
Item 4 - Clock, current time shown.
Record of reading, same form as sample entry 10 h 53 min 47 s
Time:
12 h 23 min 17 s
